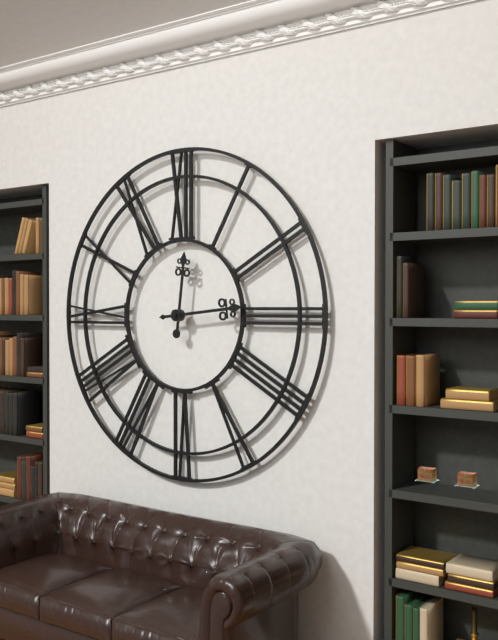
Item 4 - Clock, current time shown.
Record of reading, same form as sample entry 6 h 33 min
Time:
12 h 14 min
